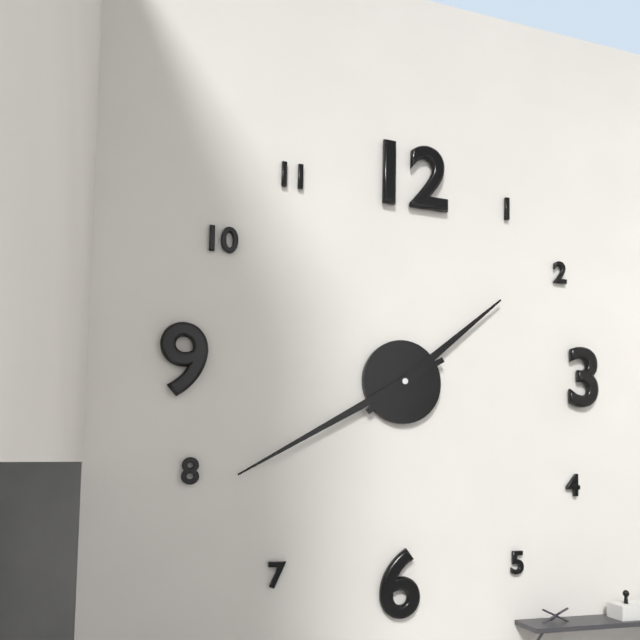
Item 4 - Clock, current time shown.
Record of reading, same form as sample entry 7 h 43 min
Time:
1 h 40 min
